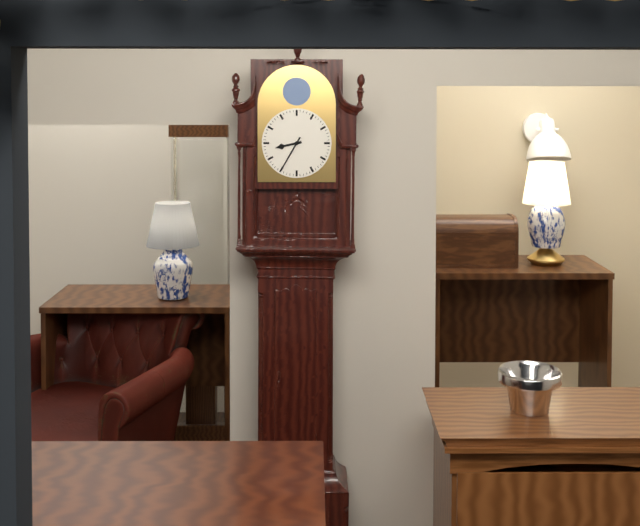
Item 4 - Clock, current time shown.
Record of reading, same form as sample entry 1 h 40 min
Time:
8 h 35 min
